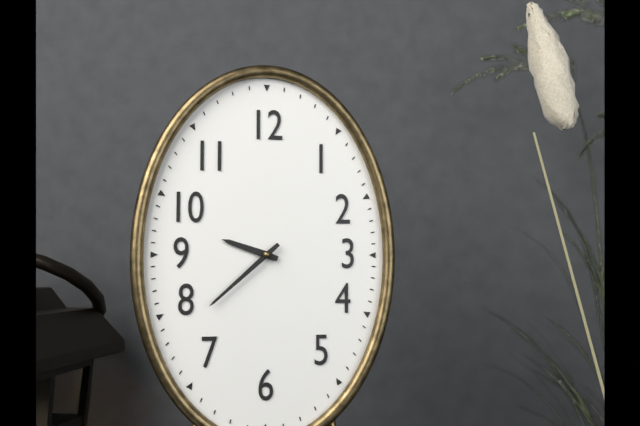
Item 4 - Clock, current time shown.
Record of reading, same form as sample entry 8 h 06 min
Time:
9 h 38 min
